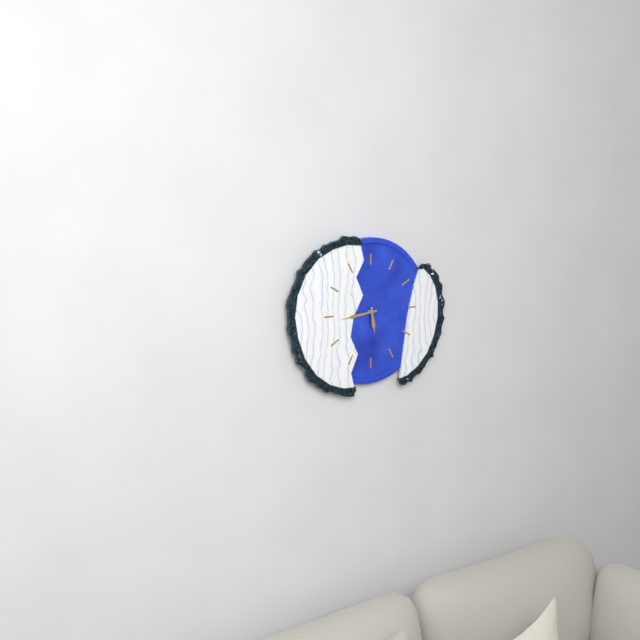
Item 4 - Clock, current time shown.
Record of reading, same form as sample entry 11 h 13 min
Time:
5 h 44 min
